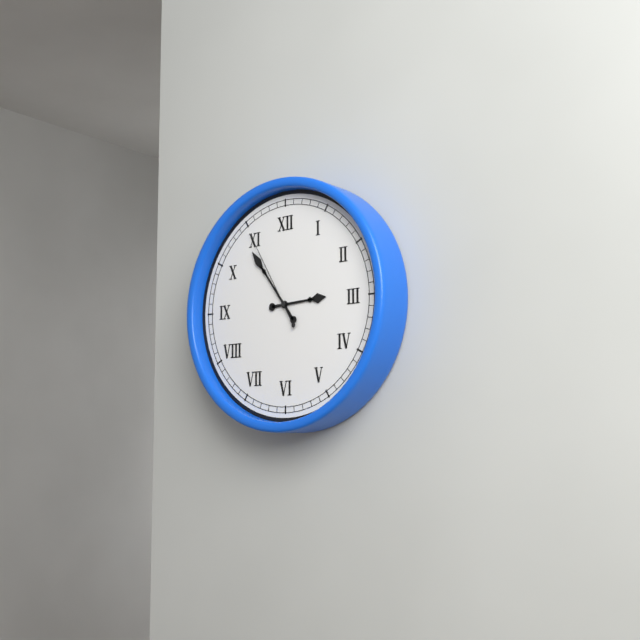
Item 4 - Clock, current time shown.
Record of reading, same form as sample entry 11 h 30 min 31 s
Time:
2 h 54 min 55 s
